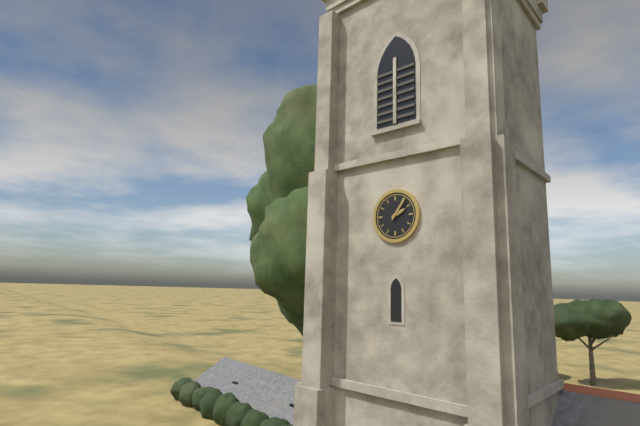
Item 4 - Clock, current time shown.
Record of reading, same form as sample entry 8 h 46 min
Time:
2 h 06 min
